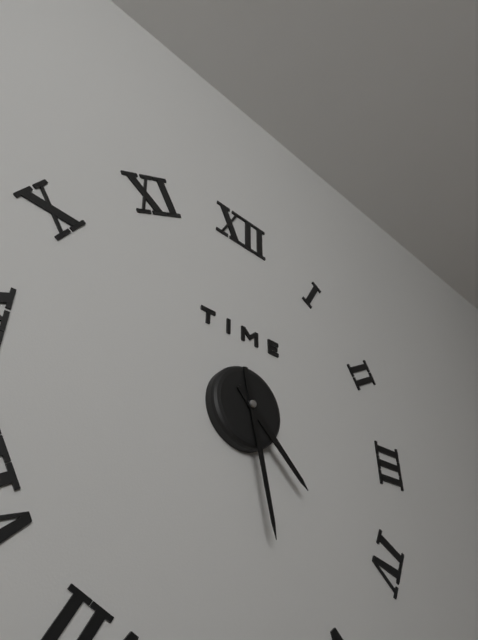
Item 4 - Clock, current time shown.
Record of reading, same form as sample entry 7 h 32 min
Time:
4 h 28 min
